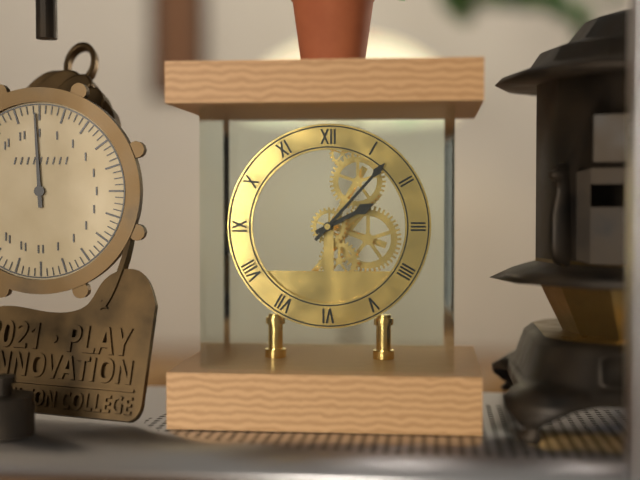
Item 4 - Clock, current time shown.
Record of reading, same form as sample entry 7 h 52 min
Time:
2 h 07 min
